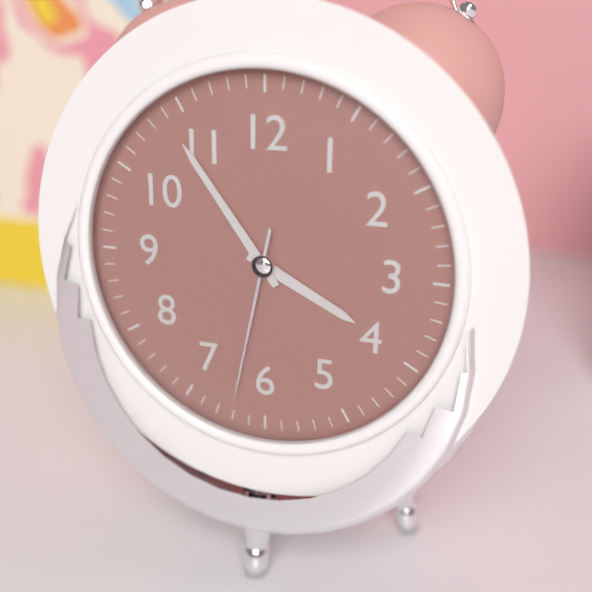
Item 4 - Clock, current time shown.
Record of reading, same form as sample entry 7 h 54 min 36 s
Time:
3 h 54 min 32 s
